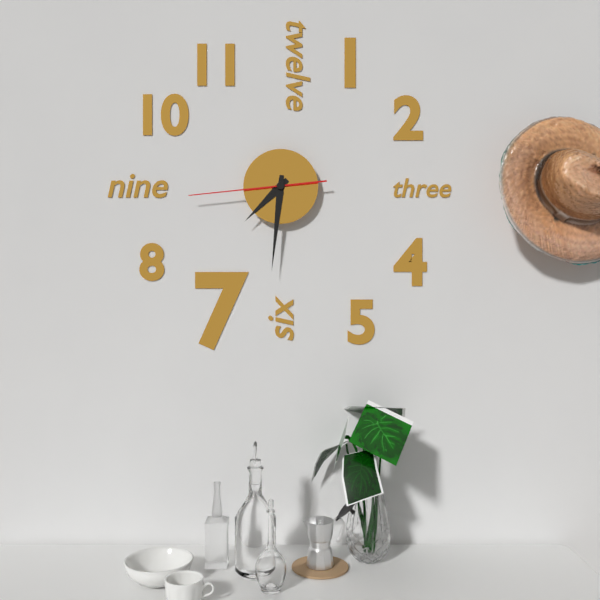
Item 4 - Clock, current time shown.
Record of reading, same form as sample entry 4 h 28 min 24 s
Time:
7 h 31 min 44 s
